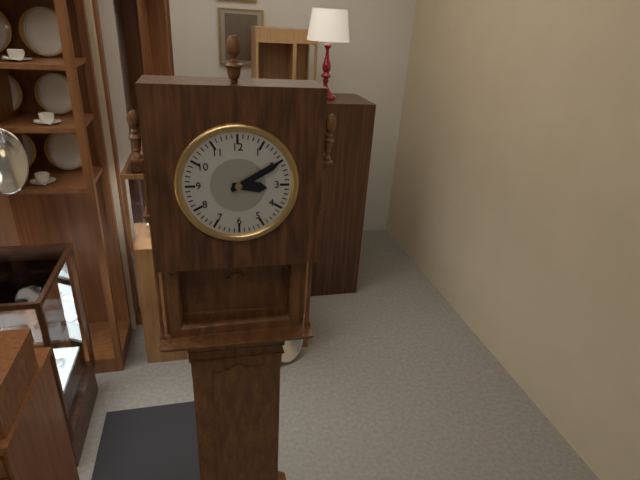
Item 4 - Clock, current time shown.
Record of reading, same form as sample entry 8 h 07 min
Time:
3 h 10 min
